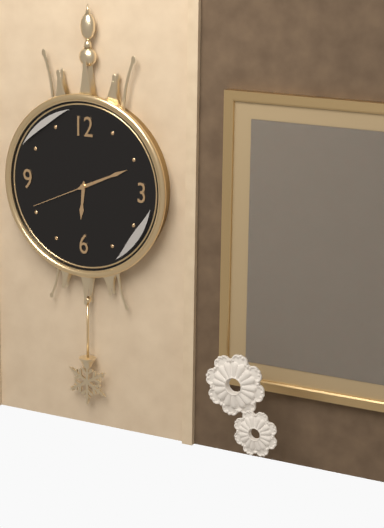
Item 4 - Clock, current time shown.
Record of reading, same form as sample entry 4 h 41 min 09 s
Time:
6 h 11 min 41 s
